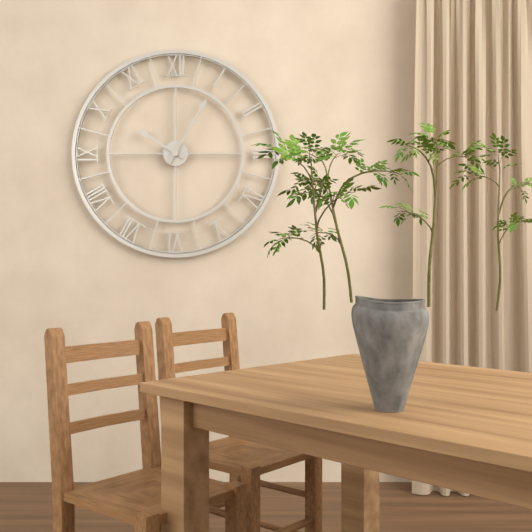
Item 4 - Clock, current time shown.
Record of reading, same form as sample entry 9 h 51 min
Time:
10 h 05 min
